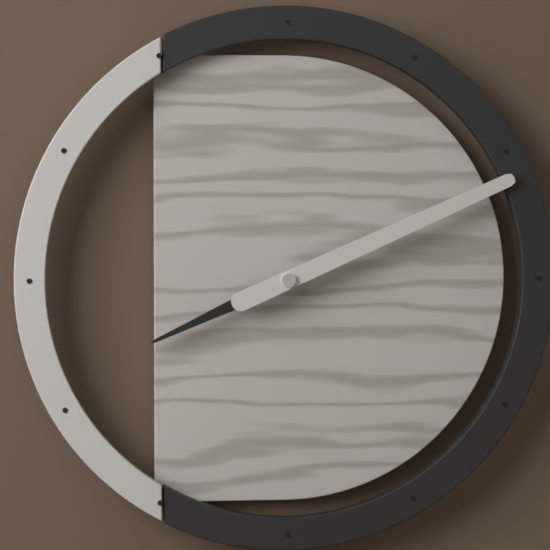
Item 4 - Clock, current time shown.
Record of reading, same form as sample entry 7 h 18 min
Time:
8 h 11 min
